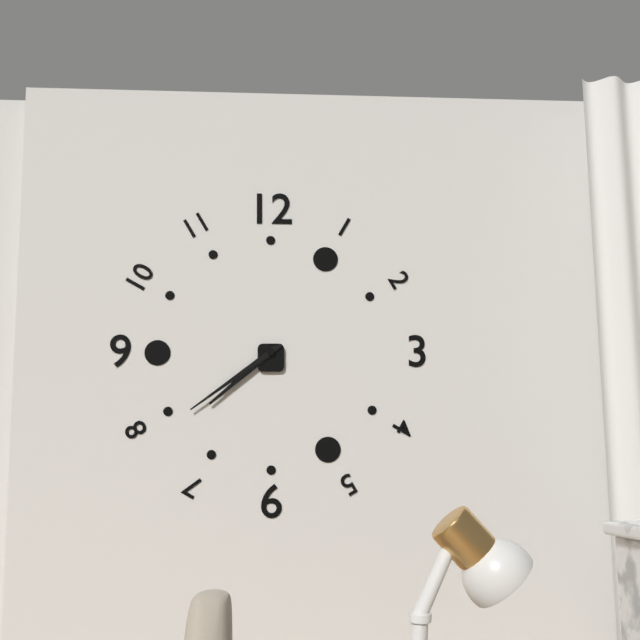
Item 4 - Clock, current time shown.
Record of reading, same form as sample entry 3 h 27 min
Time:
7 h 39 min
